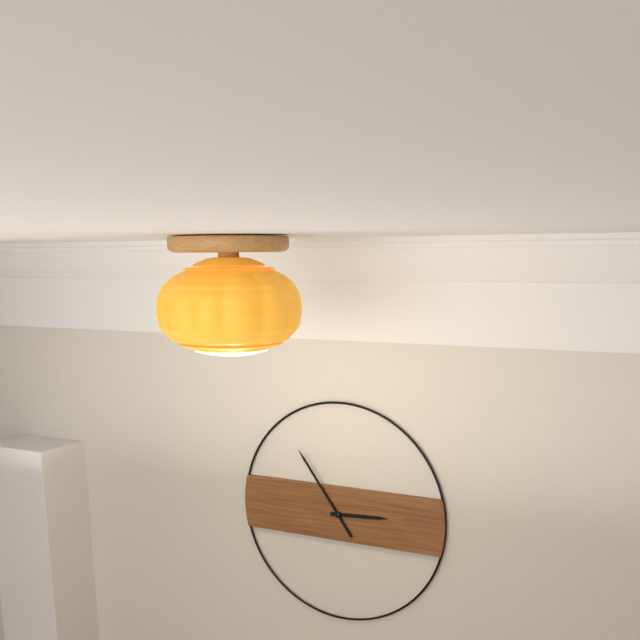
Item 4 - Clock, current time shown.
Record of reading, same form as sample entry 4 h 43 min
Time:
2 h 54 min
